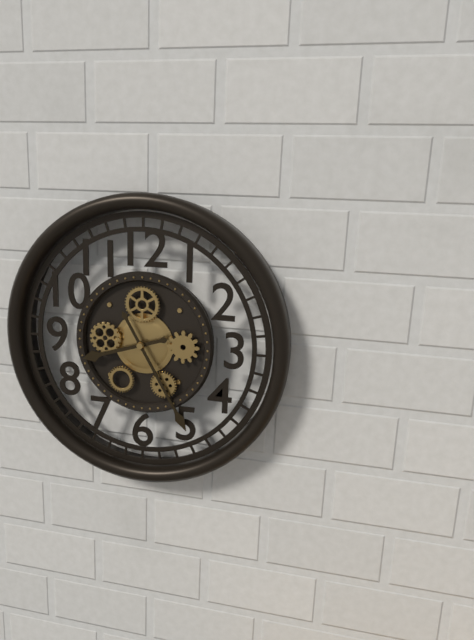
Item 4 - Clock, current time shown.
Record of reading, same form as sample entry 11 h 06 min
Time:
8 h 25 min
